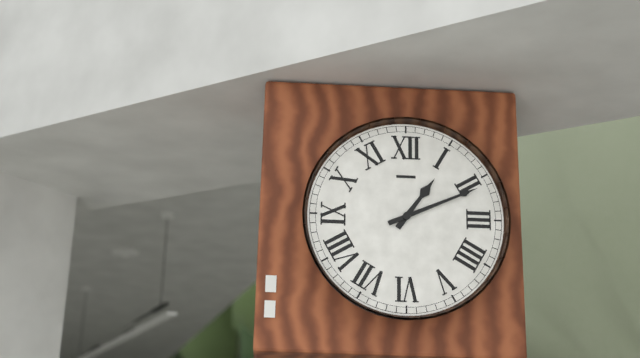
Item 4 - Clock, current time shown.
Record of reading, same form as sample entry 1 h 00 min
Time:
1 h 11 min
